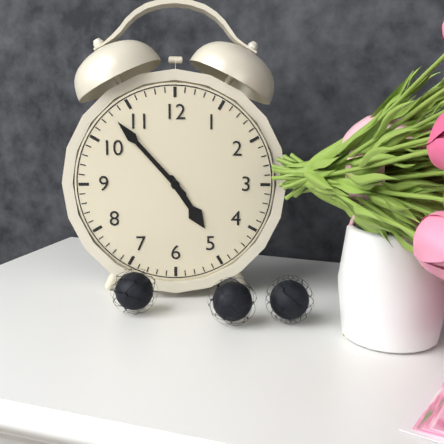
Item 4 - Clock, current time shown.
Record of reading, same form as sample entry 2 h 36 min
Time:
4 h 53 min
